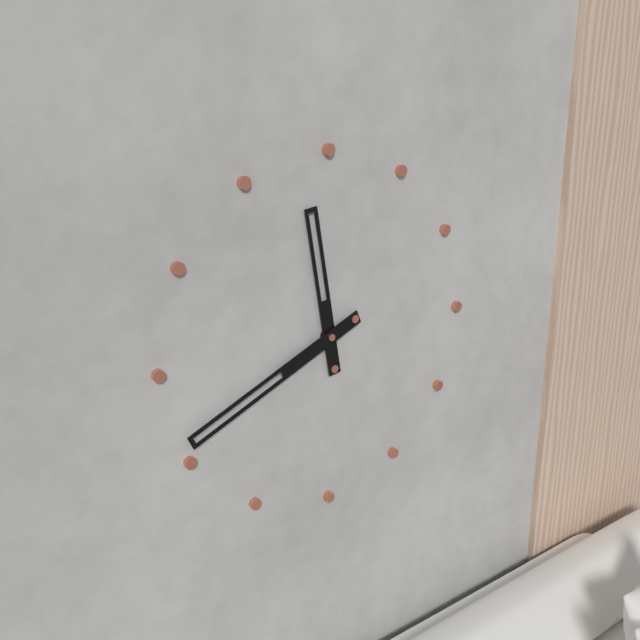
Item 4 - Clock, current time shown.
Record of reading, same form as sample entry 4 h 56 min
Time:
11 h 41 min
